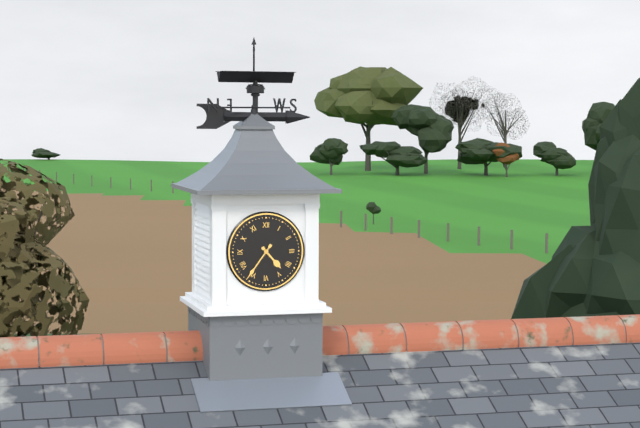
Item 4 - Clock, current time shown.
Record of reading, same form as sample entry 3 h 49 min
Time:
4 h 36 min
